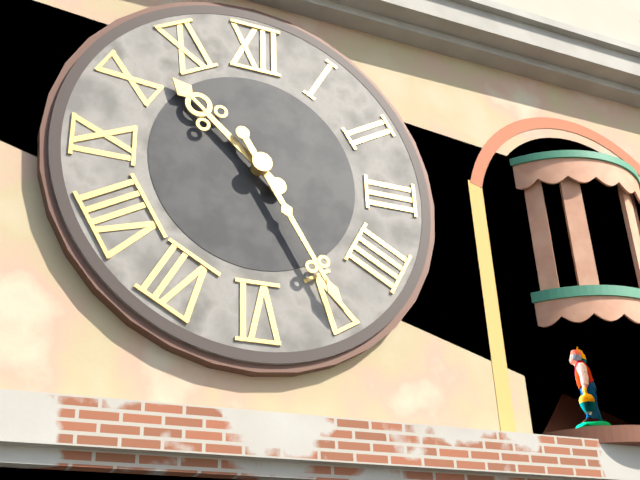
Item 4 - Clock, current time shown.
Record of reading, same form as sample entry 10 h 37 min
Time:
10 h 25 min
